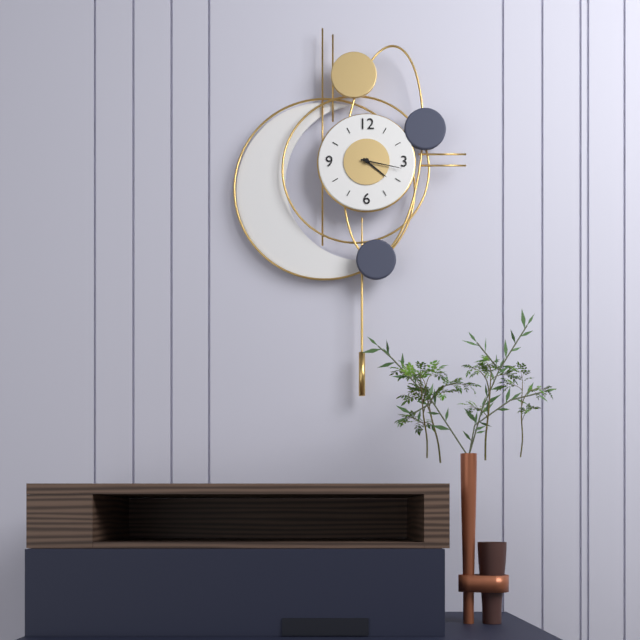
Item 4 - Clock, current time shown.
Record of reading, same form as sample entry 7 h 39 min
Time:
4 h 17 min
